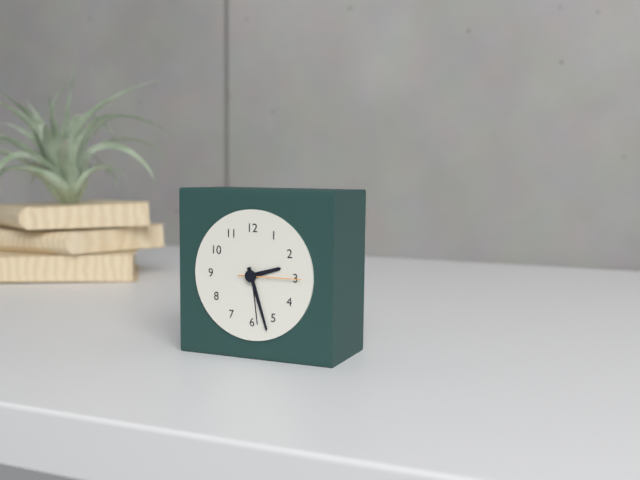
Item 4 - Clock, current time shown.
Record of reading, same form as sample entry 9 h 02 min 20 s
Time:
2 h 27 min 15 s
